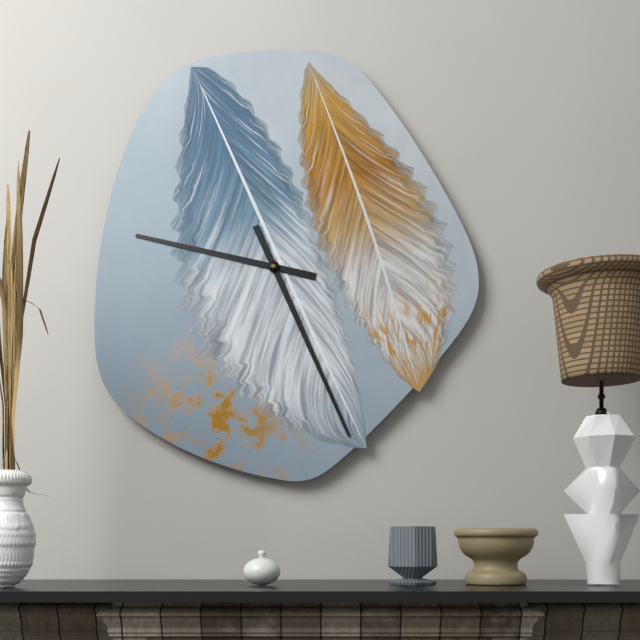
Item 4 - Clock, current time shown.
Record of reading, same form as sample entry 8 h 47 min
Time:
9 h 26 min
